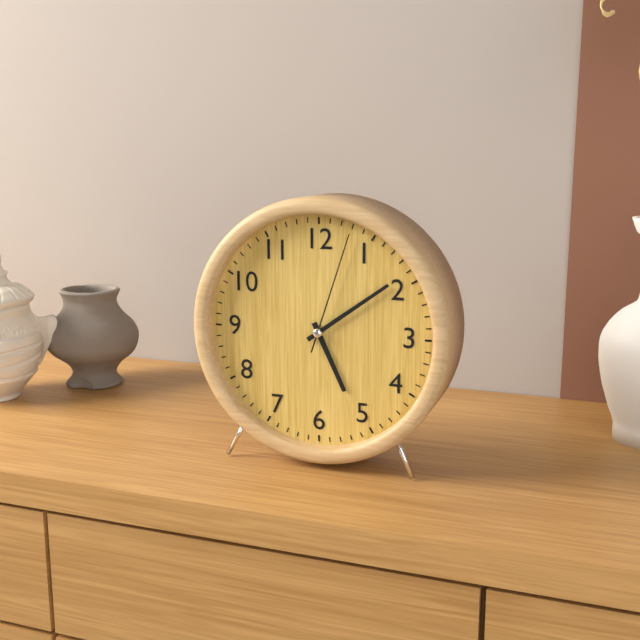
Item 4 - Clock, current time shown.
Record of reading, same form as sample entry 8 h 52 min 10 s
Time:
5 h 09 min 03 s
